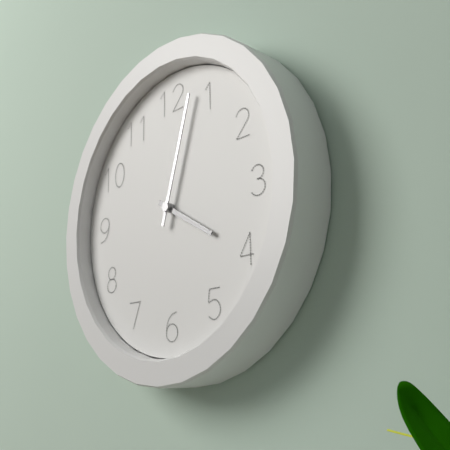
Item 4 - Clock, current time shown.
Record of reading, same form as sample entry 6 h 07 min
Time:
4 h 03 min
